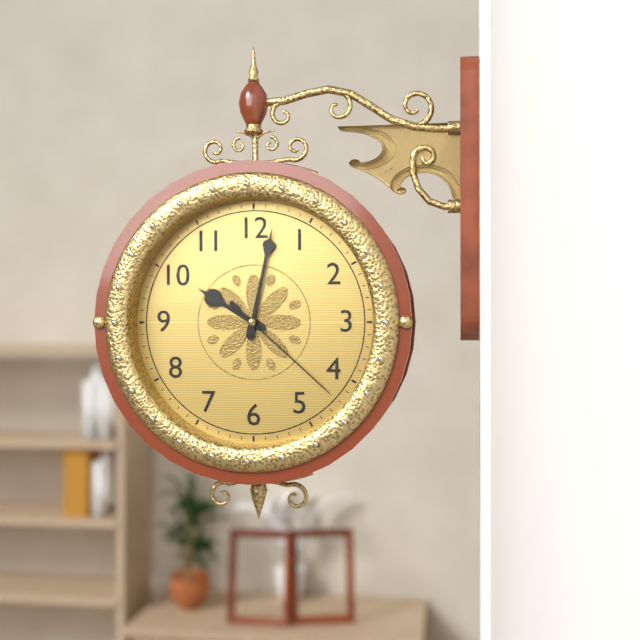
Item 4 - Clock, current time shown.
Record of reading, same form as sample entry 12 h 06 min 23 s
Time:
10 h 02 min 22 s
